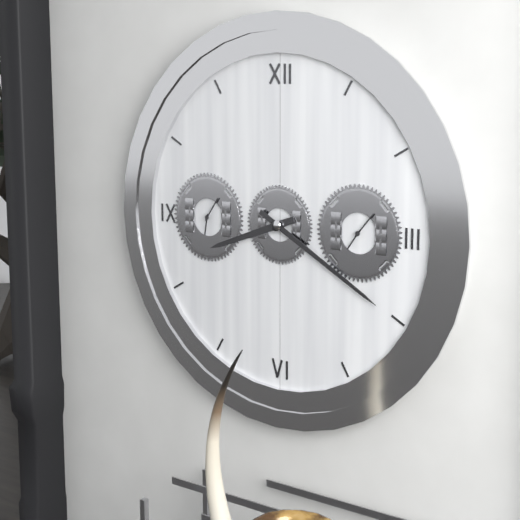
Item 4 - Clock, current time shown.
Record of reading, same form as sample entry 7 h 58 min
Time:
8 h 20 min
